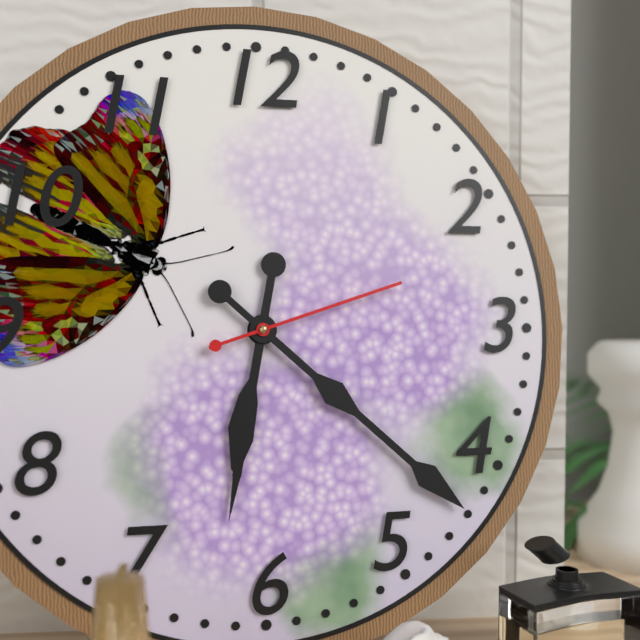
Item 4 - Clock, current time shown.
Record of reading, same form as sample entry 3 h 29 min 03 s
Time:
6 h 22 min 12 s
